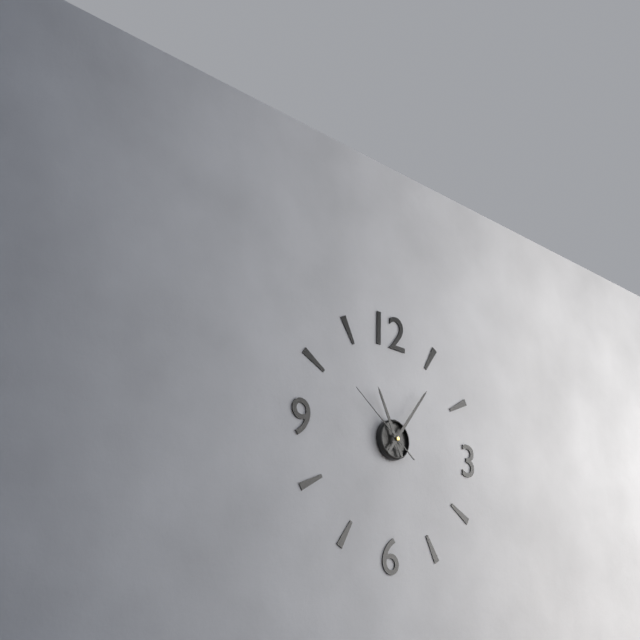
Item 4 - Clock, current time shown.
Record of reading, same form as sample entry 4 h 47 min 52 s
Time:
11 h 06 min 51 s
